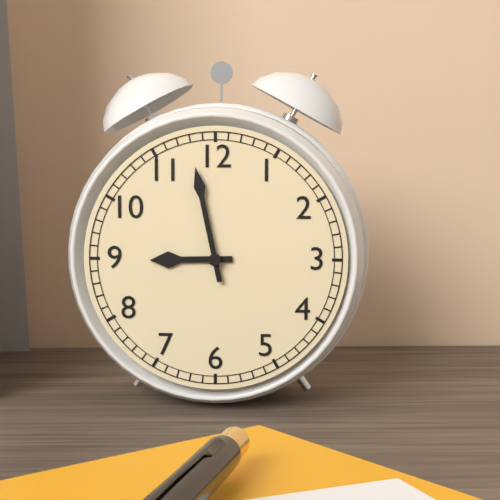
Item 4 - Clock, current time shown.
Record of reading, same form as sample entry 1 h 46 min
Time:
8 h 58 min
